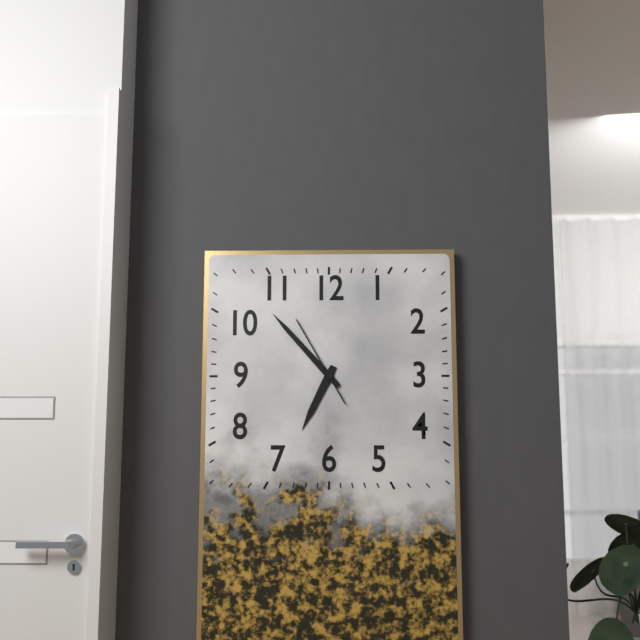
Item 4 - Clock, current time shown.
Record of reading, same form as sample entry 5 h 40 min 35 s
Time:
6 h 53 min 55 s
